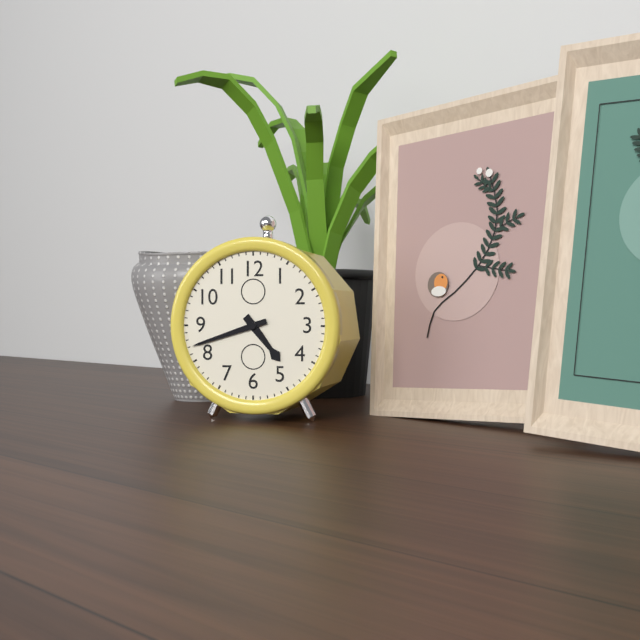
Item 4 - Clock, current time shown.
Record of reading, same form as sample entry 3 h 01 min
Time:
4 h 42 min
